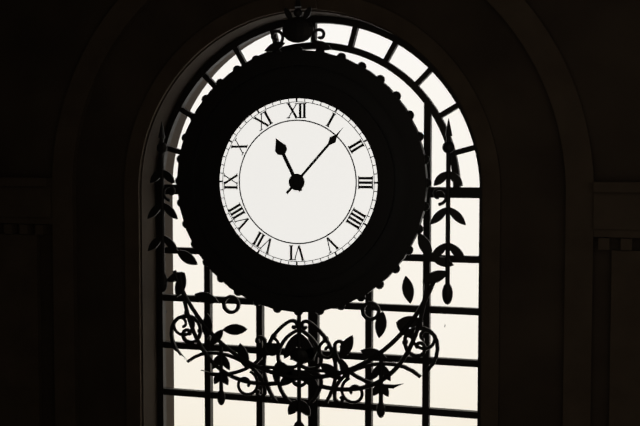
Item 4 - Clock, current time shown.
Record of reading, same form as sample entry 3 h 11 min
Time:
11 h 07 min
